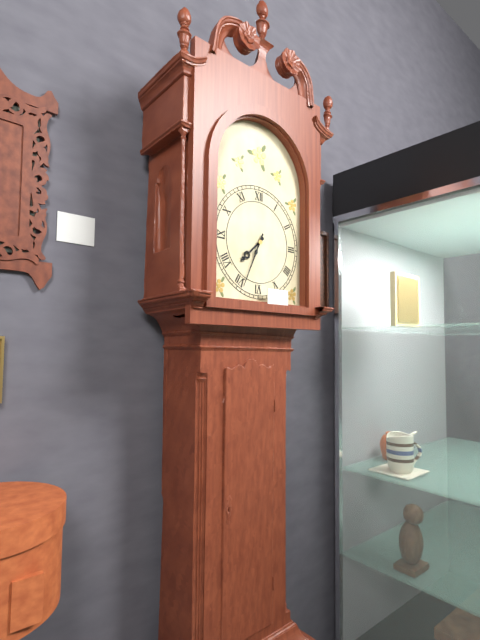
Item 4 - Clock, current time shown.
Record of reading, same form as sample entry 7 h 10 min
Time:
7 h 34 min
